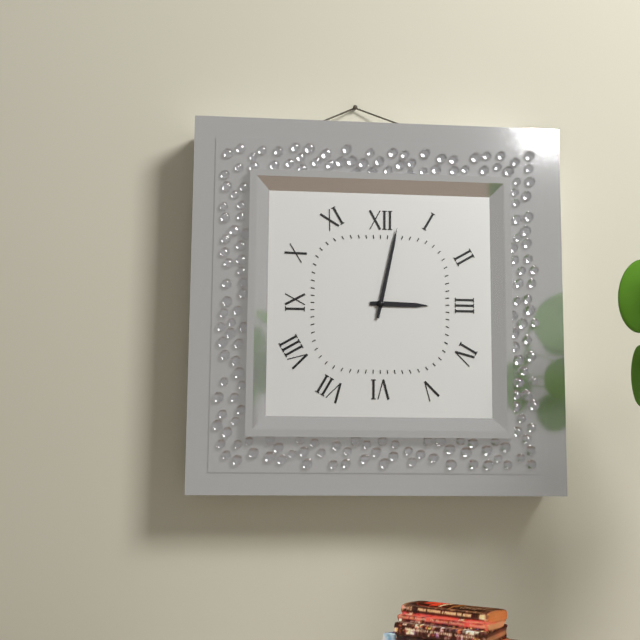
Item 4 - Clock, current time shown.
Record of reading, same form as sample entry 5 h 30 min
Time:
3 h 02 min
